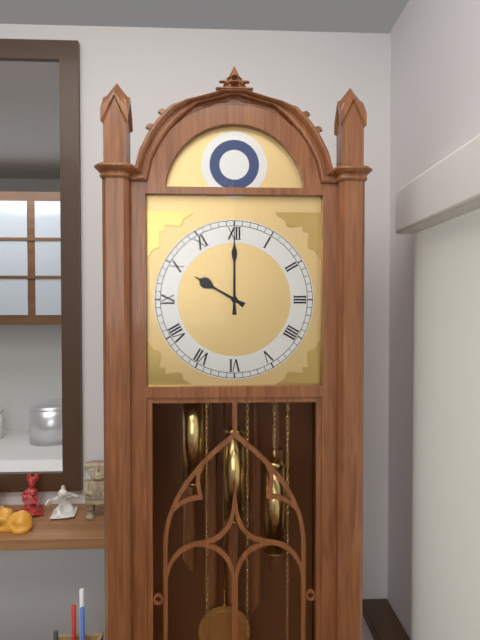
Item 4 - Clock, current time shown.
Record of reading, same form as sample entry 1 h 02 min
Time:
10 h 00 min
